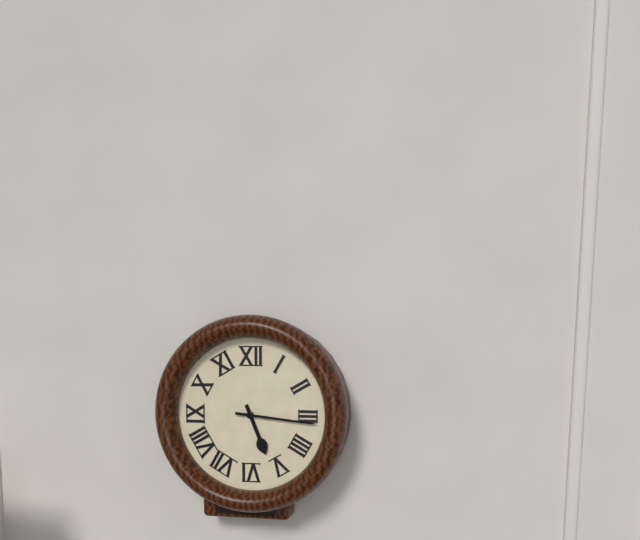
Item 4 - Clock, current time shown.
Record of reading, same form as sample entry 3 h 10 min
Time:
5 h 16 min
